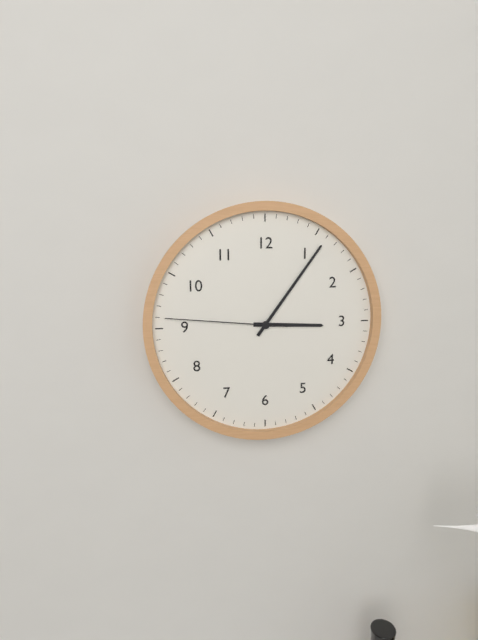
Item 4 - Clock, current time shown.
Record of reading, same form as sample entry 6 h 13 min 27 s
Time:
3 h 06 min 46 s
